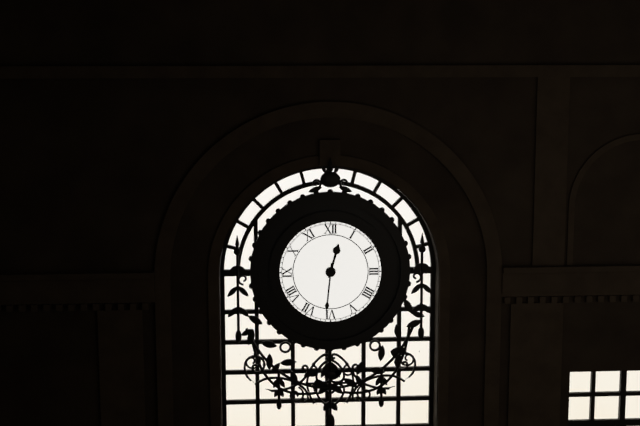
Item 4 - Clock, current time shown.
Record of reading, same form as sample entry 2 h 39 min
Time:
12 h 31 min
